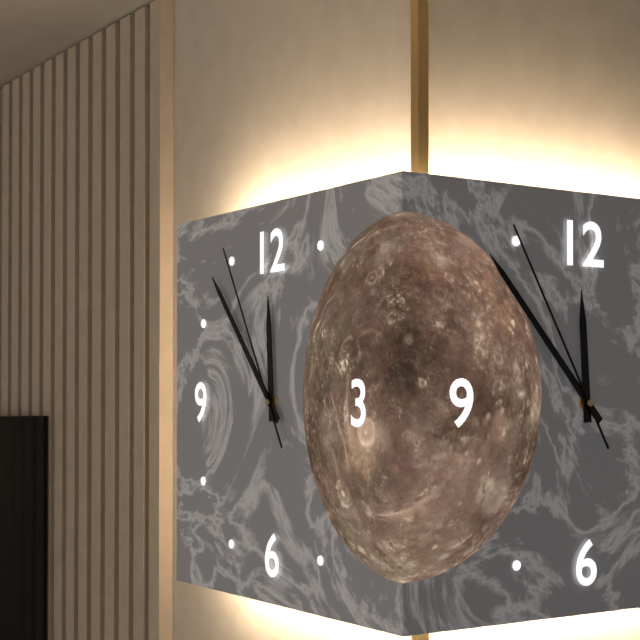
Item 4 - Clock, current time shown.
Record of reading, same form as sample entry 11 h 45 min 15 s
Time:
11 h 53 min 55 s
